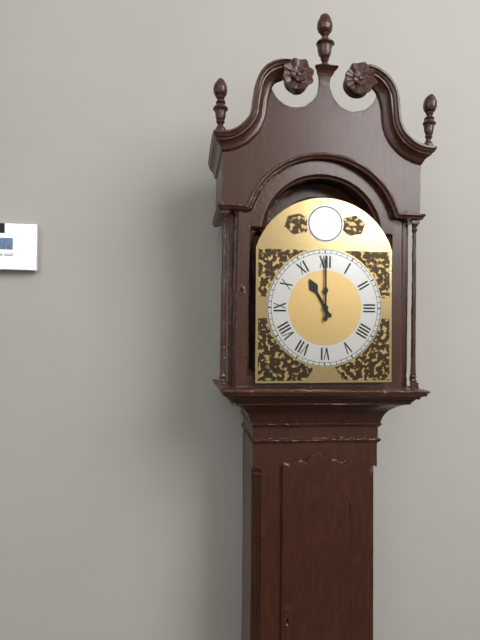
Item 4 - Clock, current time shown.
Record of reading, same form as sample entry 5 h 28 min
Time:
11 h 00 min
